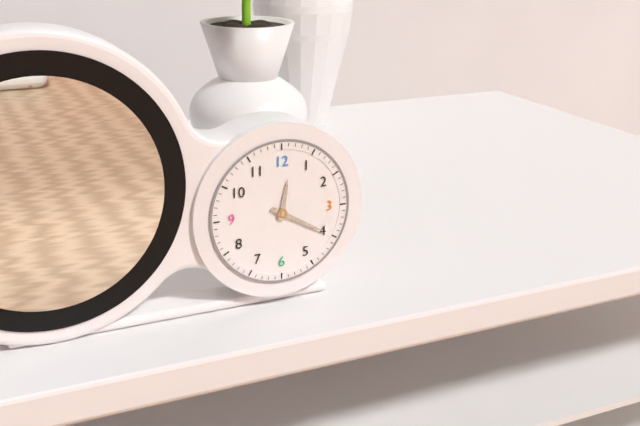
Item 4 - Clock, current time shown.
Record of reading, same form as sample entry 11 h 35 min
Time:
12 h 20 min
